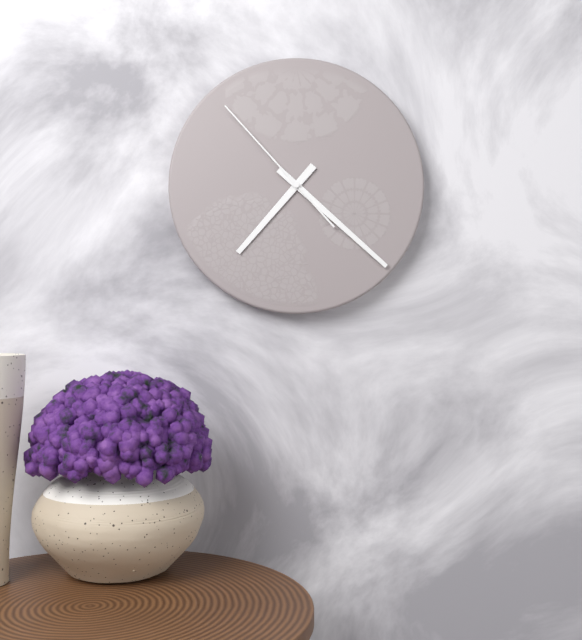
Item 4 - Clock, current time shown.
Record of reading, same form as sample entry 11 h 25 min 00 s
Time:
7 h 22 min 53 s
